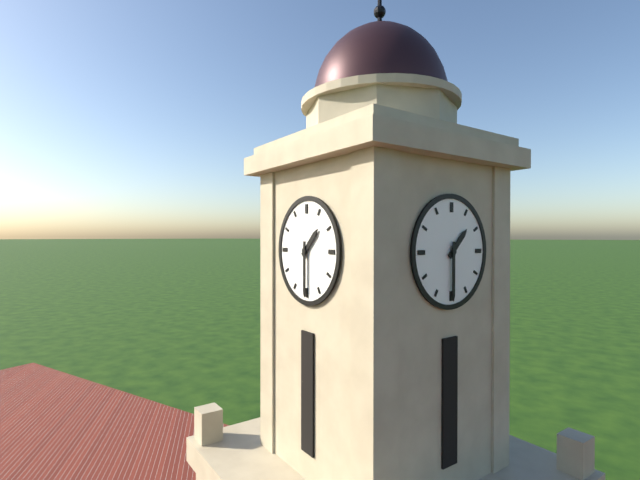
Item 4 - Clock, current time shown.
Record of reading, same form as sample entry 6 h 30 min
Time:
1 h 30 min
